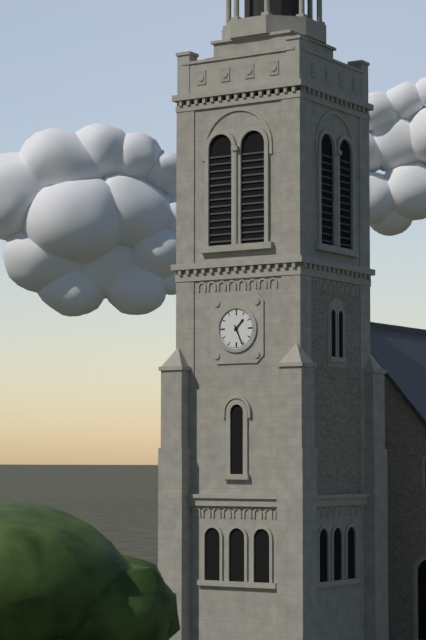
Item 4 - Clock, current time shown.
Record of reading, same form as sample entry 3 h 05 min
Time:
1 h 26 min
